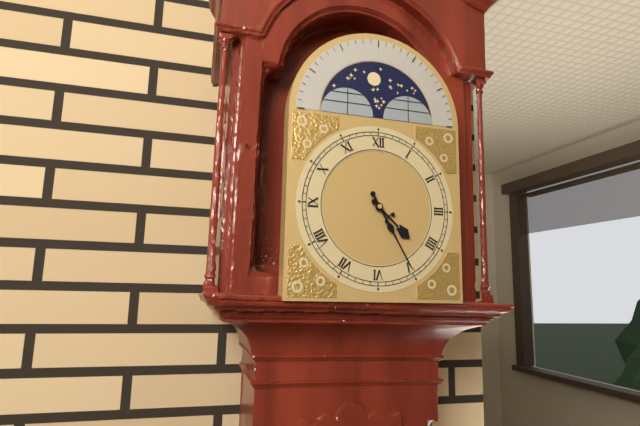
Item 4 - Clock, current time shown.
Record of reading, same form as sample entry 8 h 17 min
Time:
4 h 25 min
